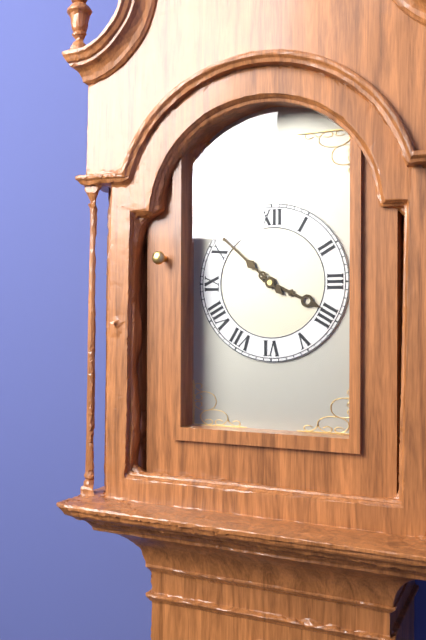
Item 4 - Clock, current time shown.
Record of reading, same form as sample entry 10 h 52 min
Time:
3 h 52 min
